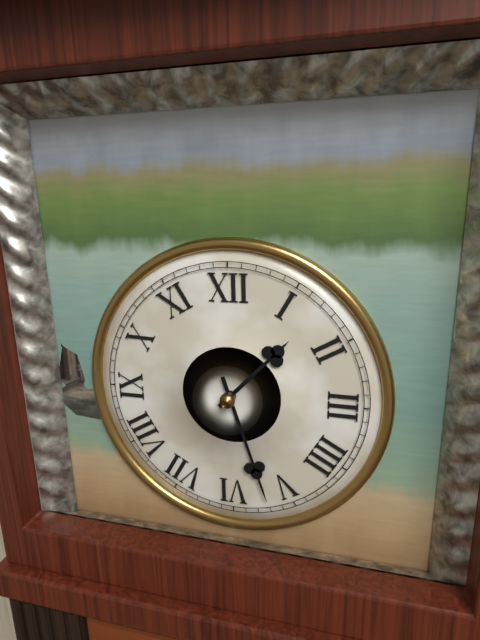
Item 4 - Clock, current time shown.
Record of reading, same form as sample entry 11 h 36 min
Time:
1 h 27 min
